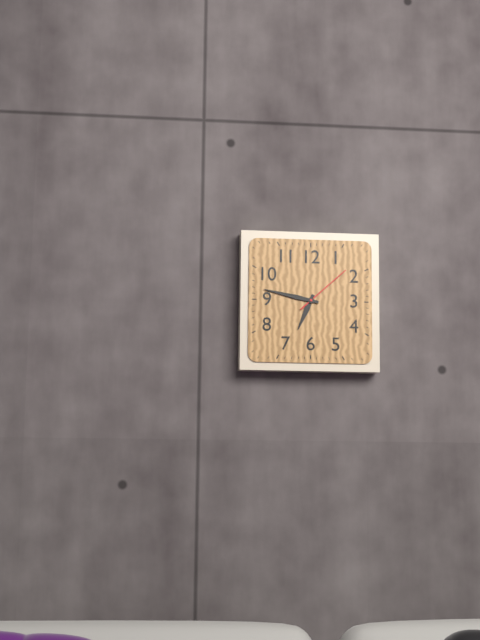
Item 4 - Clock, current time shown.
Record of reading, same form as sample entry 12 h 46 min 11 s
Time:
6 h 47 min 08 s
